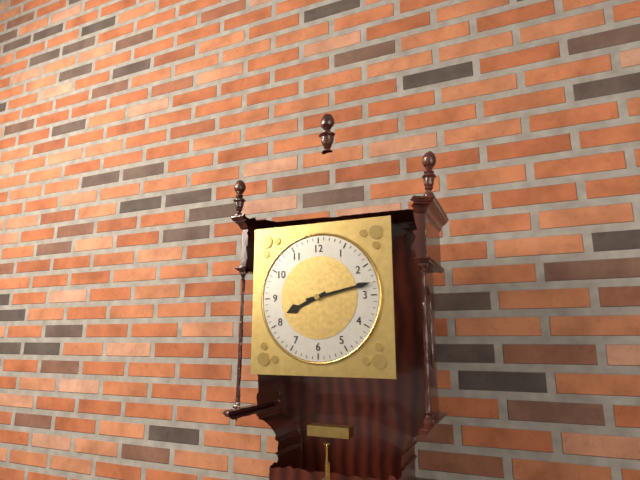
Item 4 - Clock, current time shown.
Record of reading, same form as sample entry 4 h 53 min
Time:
8 h 13 min
